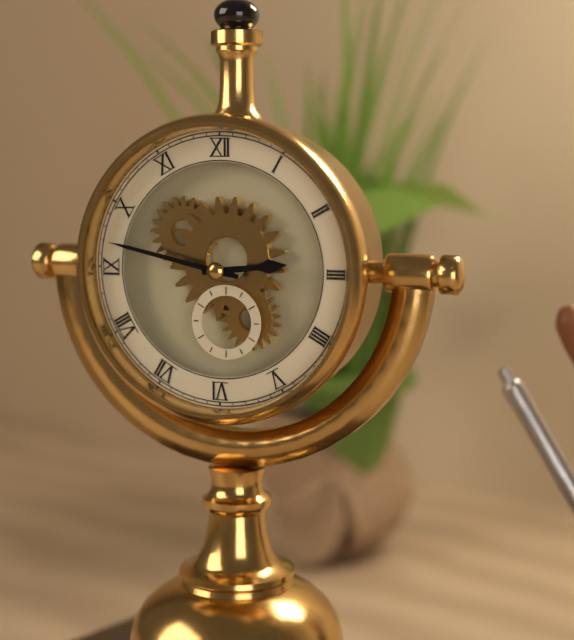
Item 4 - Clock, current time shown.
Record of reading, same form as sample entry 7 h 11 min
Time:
2 h 47 min
